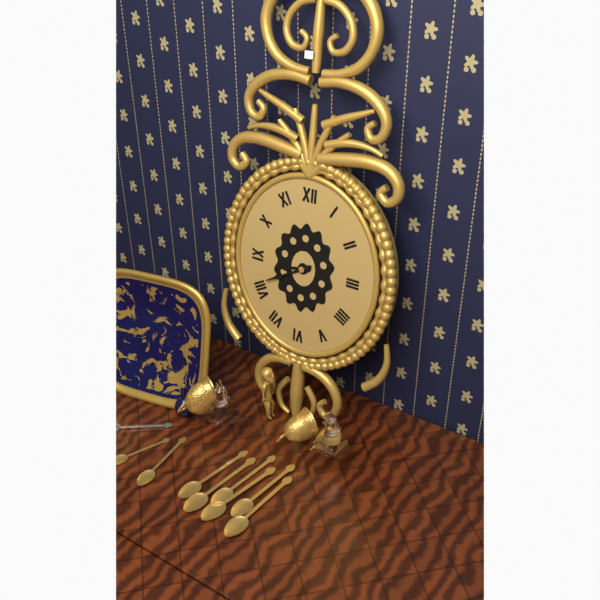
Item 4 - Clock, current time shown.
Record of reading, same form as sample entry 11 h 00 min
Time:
8 h 40 min
